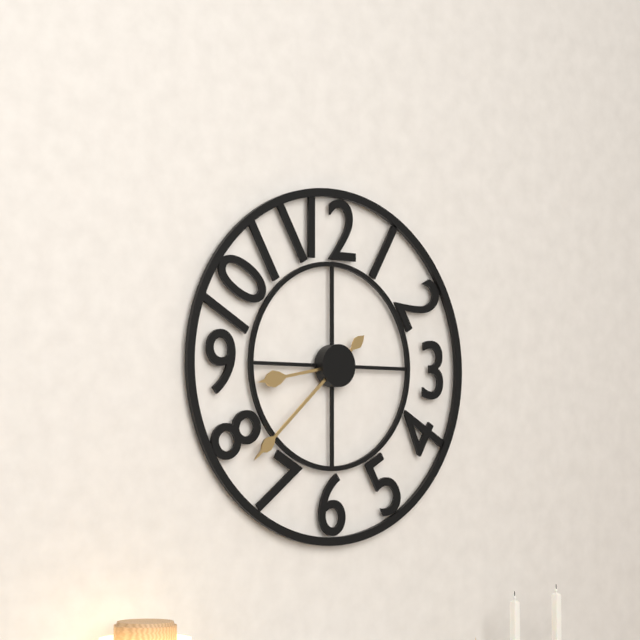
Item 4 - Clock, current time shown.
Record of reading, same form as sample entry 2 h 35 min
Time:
8 h 38 min
